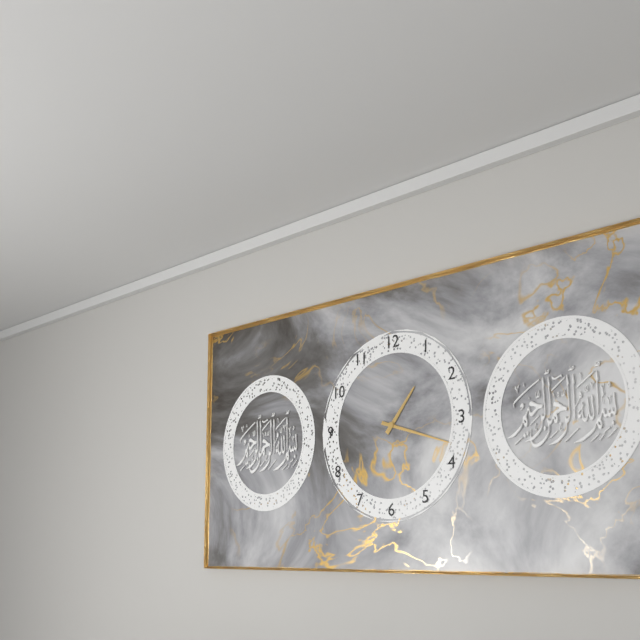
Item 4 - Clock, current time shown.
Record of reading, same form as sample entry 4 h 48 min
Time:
1 h 18 min
